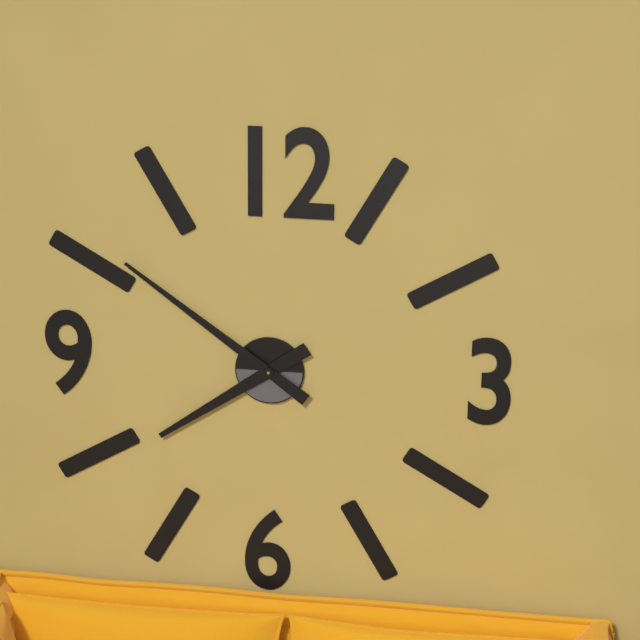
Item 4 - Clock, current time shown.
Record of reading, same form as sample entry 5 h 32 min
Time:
7 h 51 min
